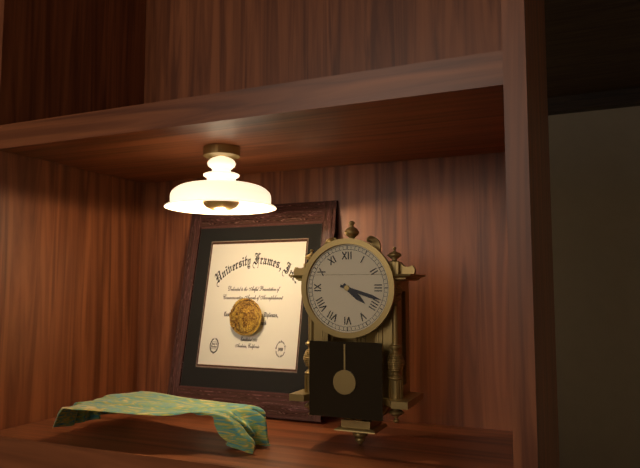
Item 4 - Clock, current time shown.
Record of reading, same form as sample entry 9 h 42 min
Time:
4 h 18 min
